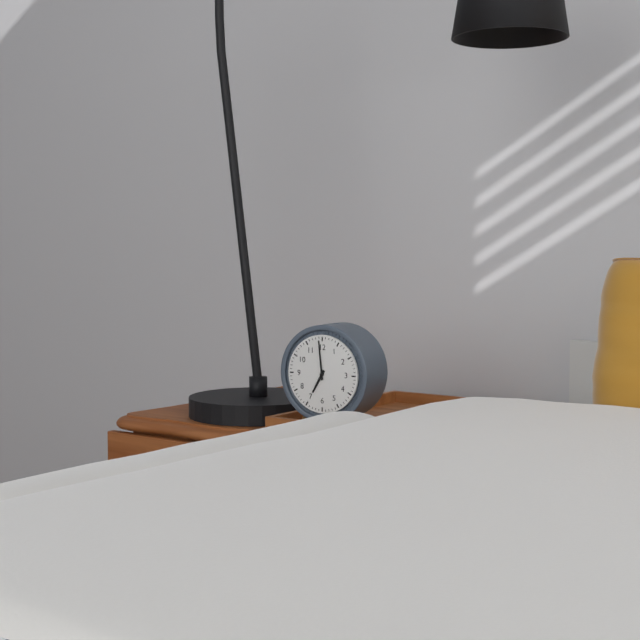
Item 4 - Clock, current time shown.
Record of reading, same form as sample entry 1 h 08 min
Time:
6 h 59 min
